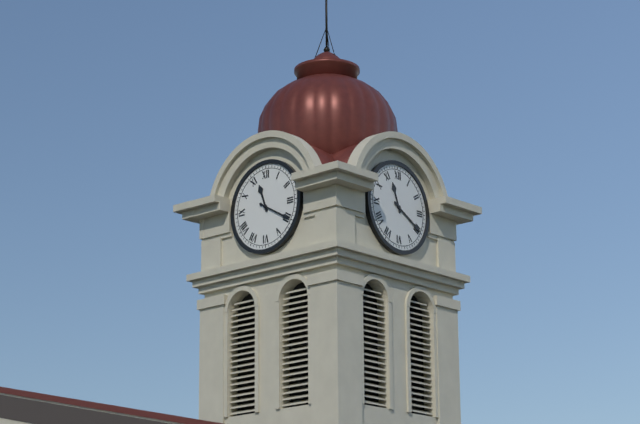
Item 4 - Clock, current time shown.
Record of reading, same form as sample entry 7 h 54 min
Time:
11 h 20 min
